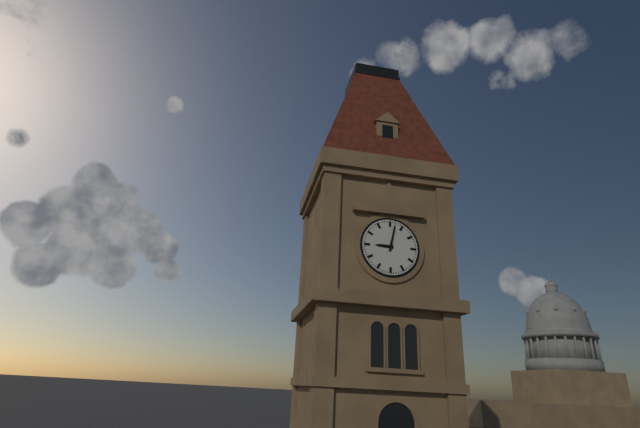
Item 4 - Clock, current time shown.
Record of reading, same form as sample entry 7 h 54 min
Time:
9 h 02 min
